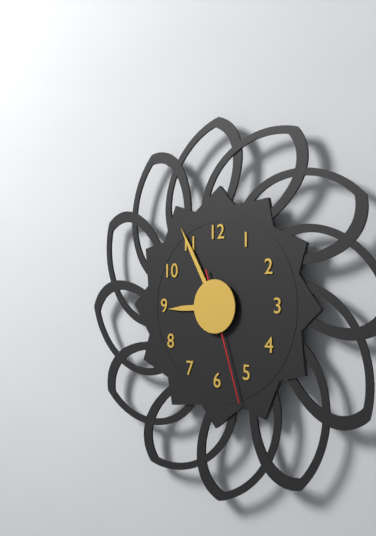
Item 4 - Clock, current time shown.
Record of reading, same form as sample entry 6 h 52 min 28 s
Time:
8 h 55 min 27 s
